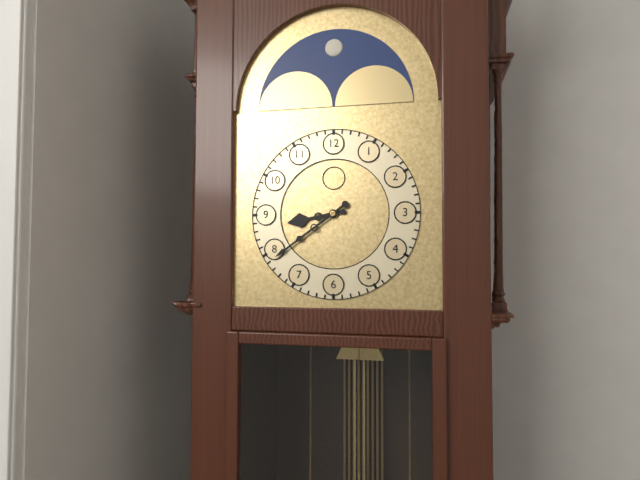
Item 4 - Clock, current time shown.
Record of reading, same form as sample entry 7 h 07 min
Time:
8 h 39 min
